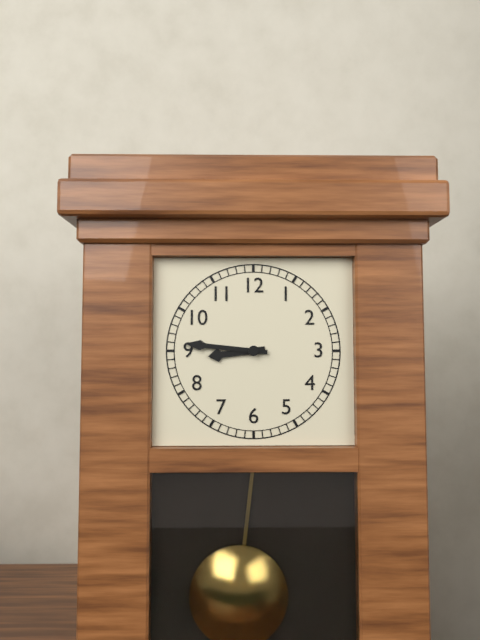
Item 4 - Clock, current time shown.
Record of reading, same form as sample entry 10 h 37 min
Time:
8 h 46 min
